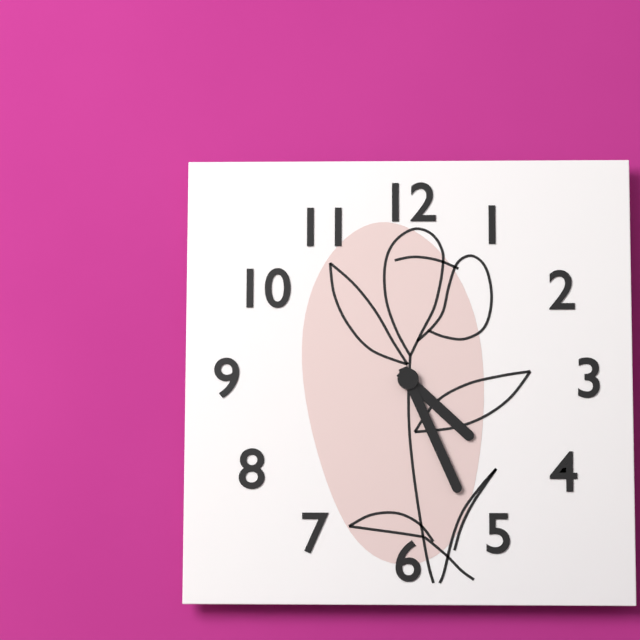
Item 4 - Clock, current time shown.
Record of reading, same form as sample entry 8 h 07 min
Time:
4 h 26 min
